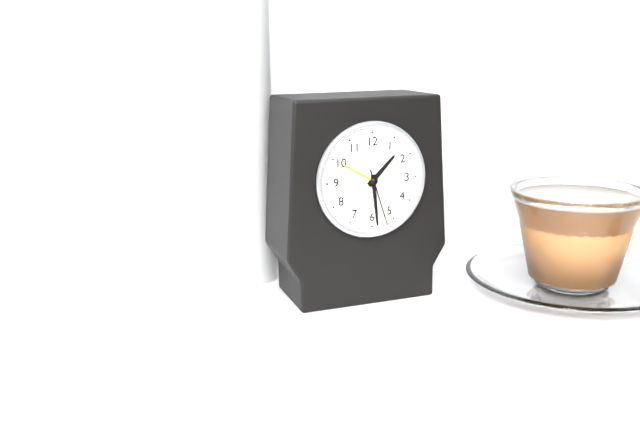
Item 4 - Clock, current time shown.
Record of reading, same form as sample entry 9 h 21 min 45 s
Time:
1 h 29 min 27 s
